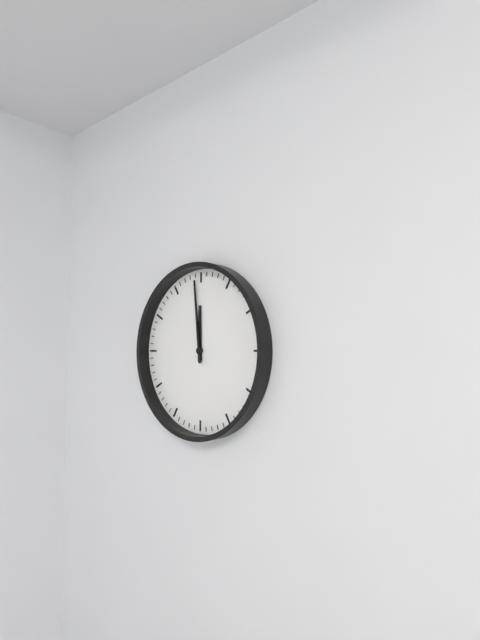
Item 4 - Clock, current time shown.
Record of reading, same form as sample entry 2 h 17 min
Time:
11 h 59 min
